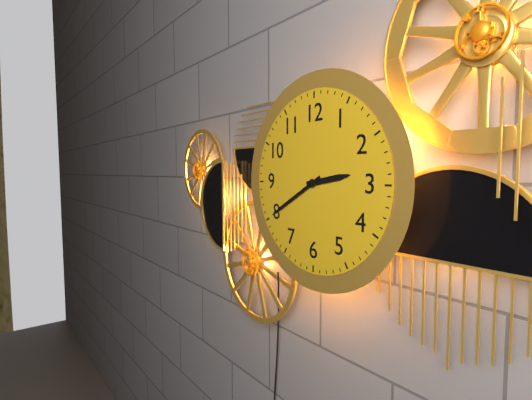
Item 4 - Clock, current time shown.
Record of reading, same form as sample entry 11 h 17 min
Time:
2 h 40 min
